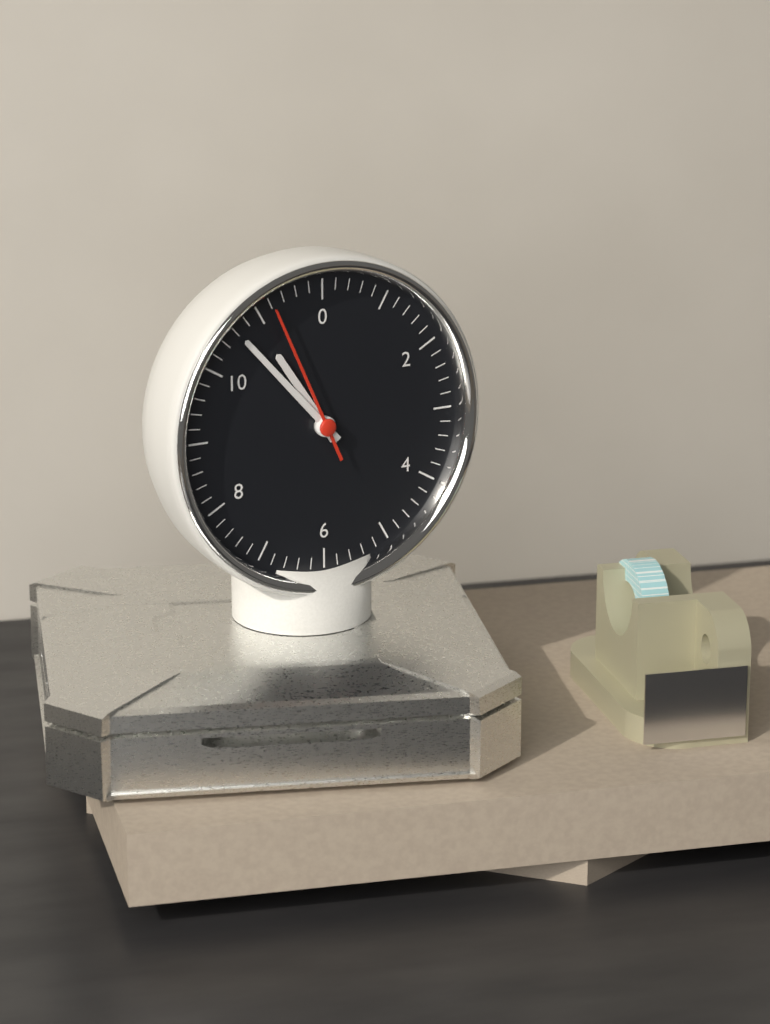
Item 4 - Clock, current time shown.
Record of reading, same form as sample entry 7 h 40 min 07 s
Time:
10 h 53 min 56 s
